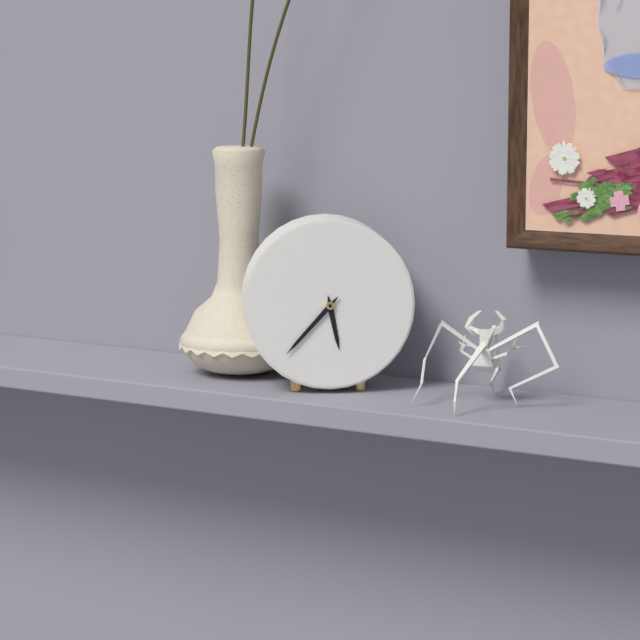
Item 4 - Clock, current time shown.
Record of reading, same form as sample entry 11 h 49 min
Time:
5 h 37 min
